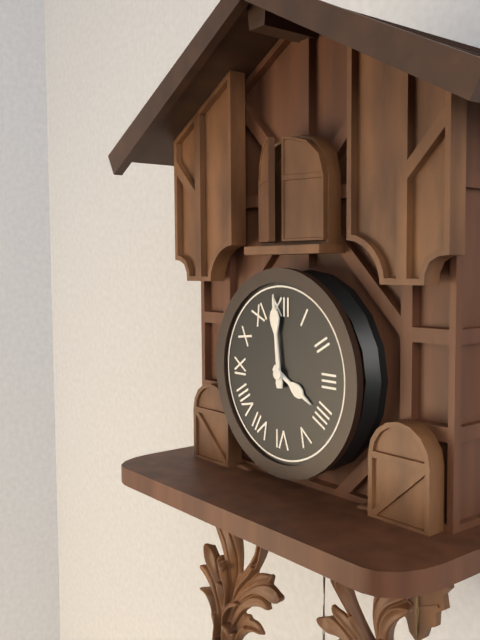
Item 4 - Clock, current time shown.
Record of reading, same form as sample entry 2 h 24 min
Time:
3 h 59 min
